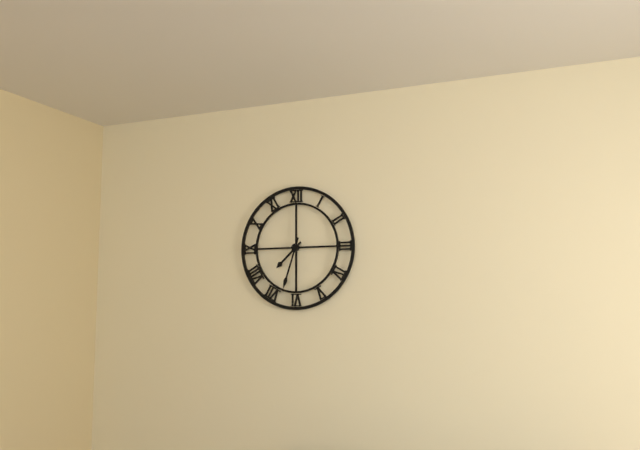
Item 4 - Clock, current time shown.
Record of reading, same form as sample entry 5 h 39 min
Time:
7 h 33 min
